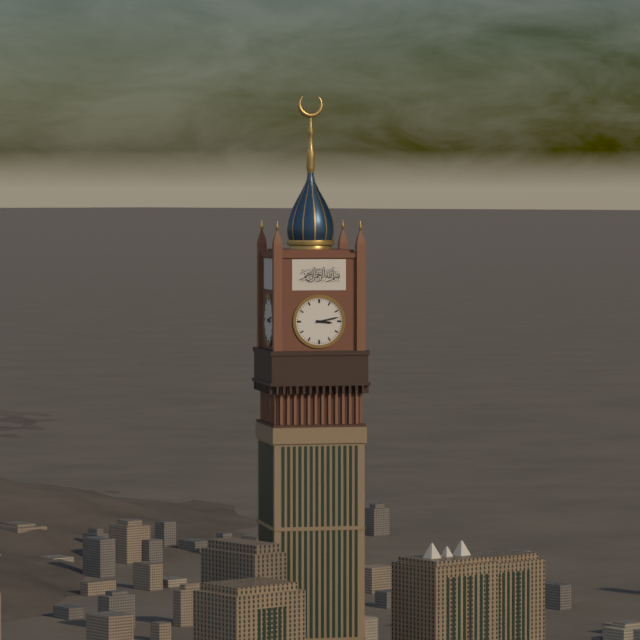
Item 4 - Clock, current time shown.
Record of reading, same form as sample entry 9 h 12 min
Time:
3 h 13 min
